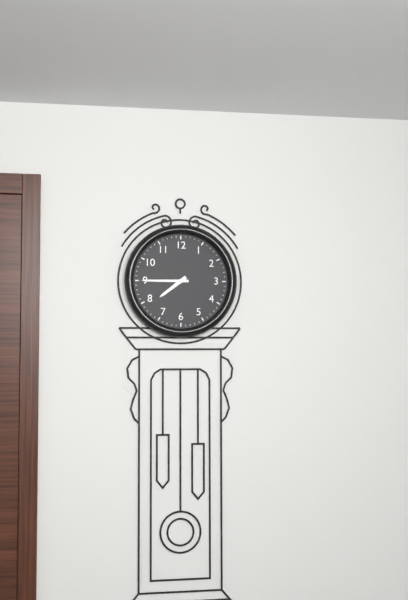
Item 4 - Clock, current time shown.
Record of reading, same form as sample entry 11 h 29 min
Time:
7 h 45 min
